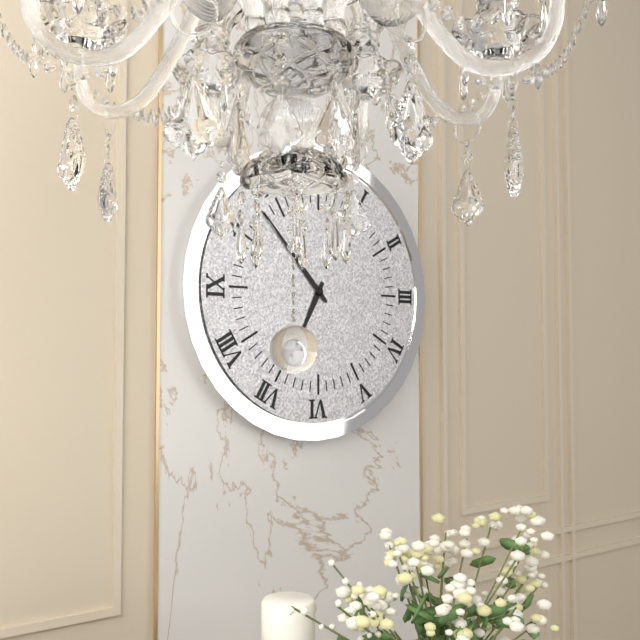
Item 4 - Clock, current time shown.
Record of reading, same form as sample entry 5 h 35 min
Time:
6 h 53 min
